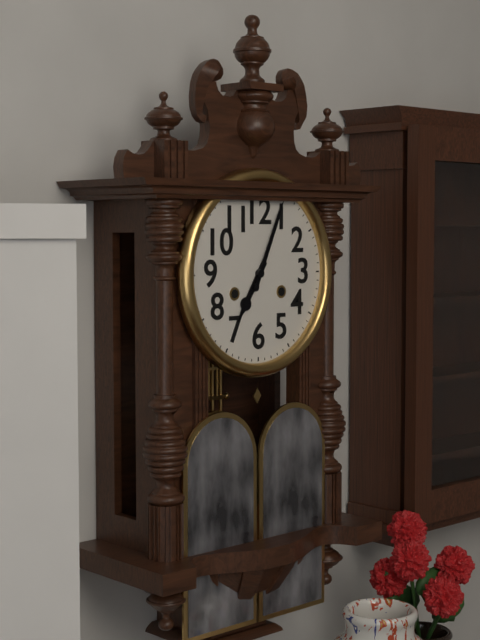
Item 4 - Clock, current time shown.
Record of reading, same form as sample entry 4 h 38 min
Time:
7 h 04 min
